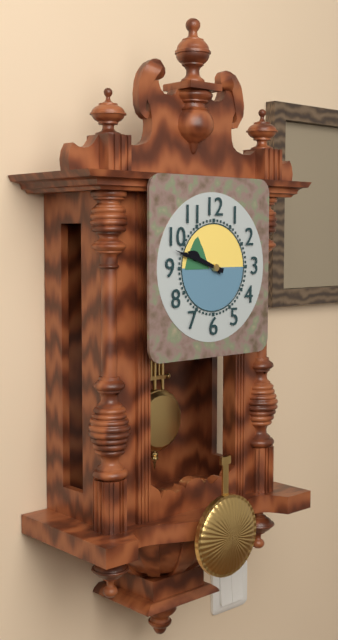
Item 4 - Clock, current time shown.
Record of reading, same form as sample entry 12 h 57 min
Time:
9 h 48 min
